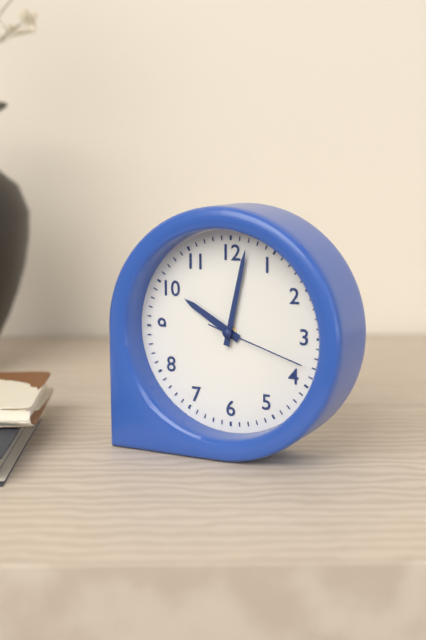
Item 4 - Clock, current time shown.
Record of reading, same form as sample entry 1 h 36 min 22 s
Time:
10 h 02 min 18 s
